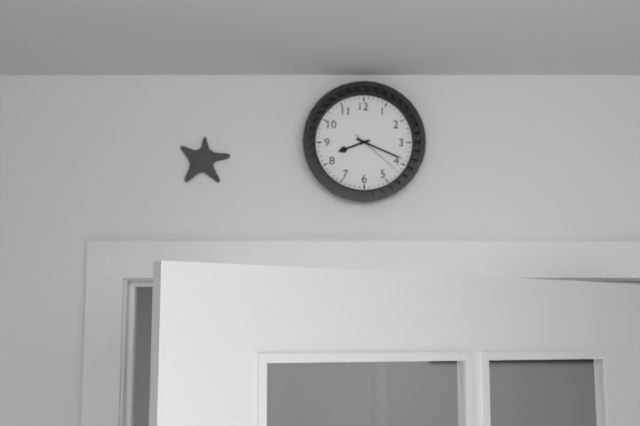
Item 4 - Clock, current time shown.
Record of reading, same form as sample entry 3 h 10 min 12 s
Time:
8 h 19 min 22 s
